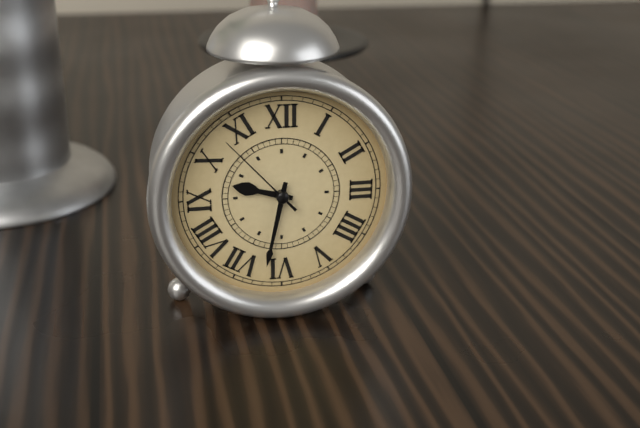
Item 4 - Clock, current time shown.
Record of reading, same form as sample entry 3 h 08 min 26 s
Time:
9 h 32 min 53 s
